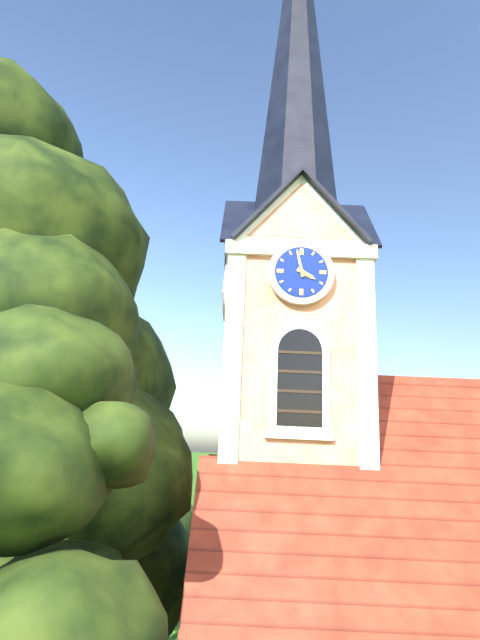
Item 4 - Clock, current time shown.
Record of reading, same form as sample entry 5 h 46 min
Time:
3 h 58 min
